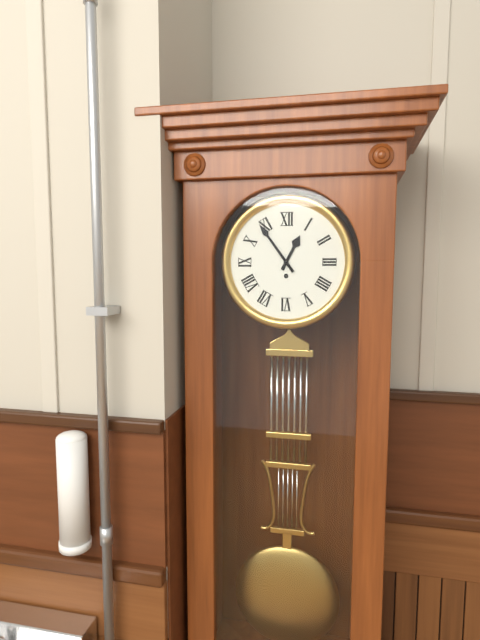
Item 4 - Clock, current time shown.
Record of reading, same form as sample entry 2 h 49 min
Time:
12 h 54 min
